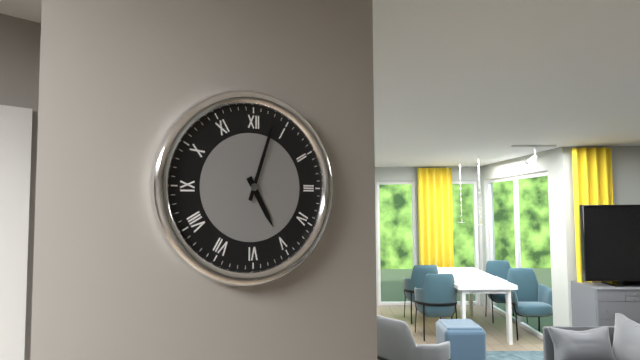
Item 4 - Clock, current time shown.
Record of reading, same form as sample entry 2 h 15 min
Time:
5 h 03 min
